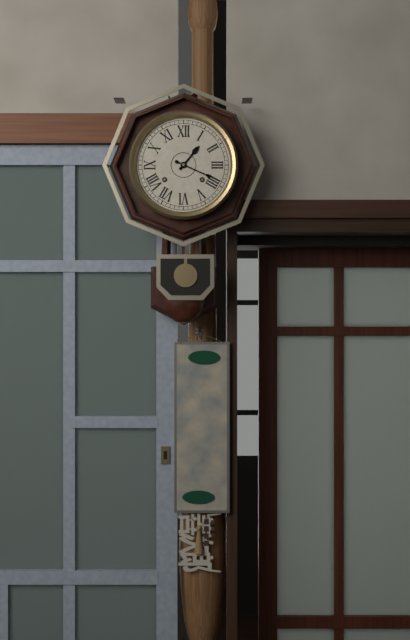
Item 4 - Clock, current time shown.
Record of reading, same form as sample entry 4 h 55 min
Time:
1 h 19 min
